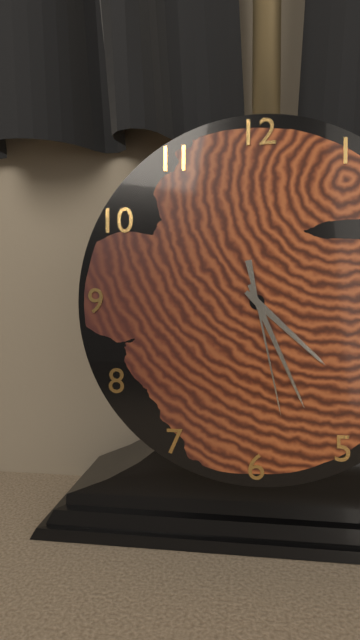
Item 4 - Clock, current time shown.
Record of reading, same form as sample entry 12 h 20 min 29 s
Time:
4 h 26 min 28 s
